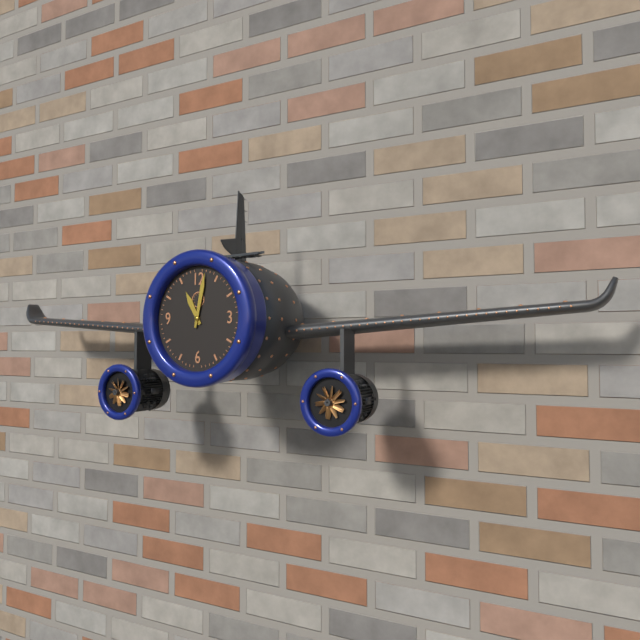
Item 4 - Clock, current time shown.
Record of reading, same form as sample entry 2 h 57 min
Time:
11 h 02 min
